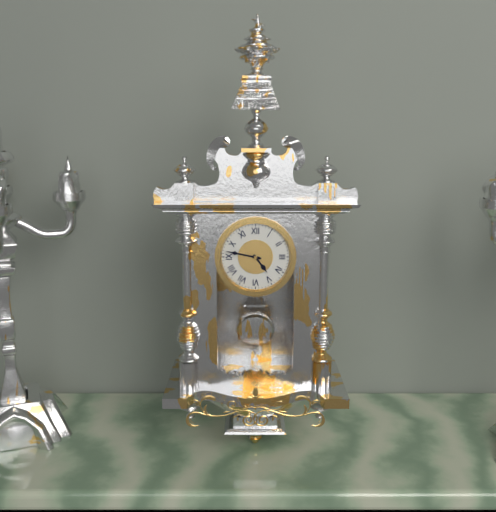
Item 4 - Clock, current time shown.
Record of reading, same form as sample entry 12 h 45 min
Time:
4 h 47 min
